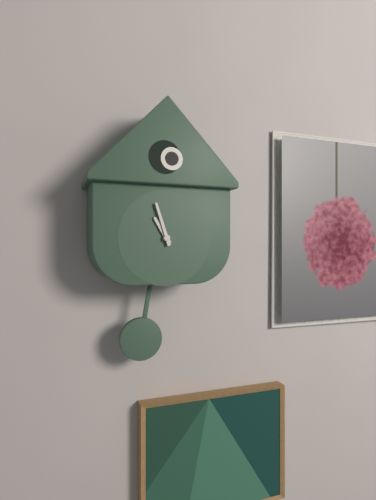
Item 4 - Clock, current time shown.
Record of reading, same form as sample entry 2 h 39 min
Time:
10 h 57 min
